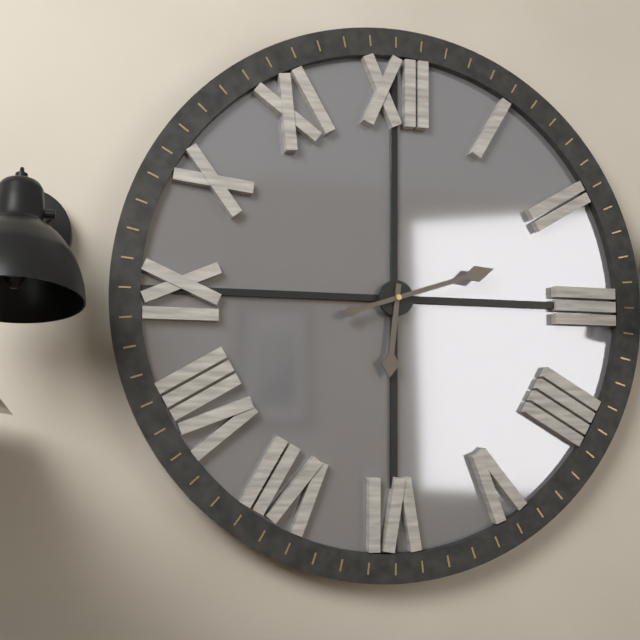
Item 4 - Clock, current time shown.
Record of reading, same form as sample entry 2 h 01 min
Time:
6 h 12 min
